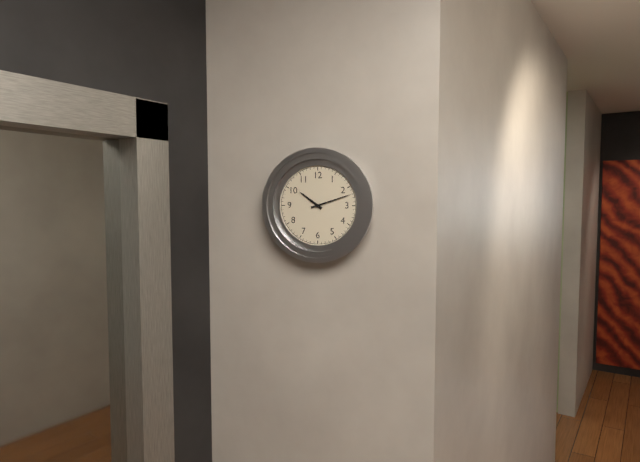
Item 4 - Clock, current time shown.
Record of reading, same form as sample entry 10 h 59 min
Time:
10 h 12 min
